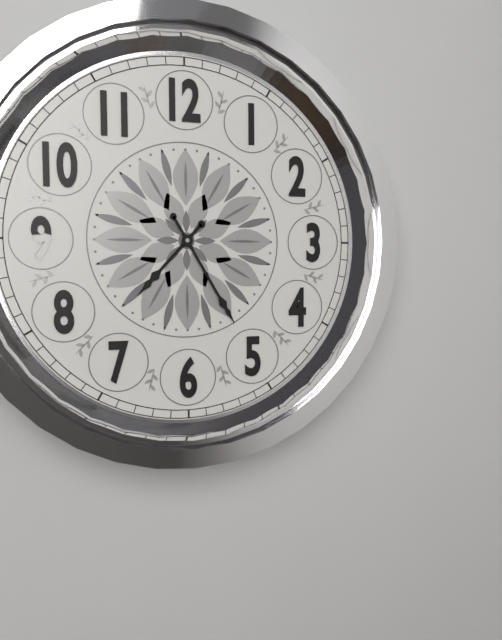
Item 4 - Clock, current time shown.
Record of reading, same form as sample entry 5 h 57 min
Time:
7 h 25 min
